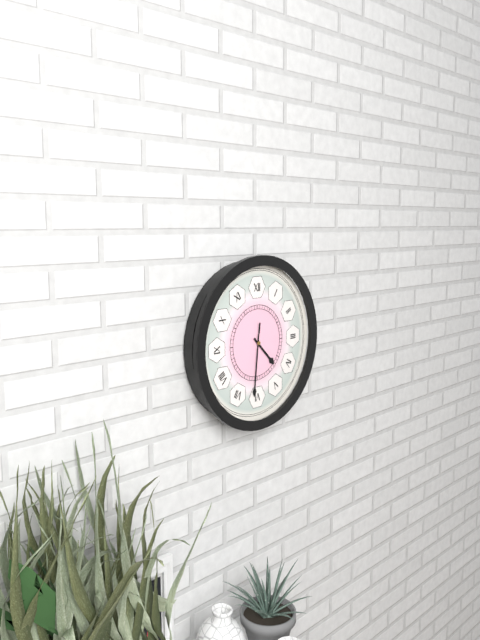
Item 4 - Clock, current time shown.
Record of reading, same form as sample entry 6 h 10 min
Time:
4 h 31 min
